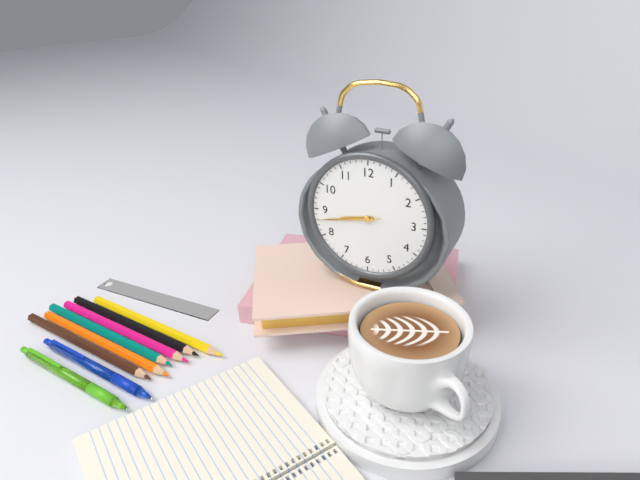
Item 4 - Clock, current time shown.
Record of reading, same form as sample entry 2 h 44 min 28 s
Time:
8 h 43 min 43 s
